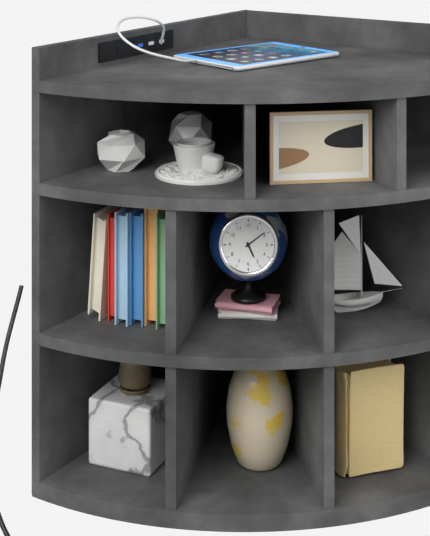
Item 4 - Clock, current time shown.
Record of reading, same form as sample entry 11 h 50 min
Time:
5 h 09 min
